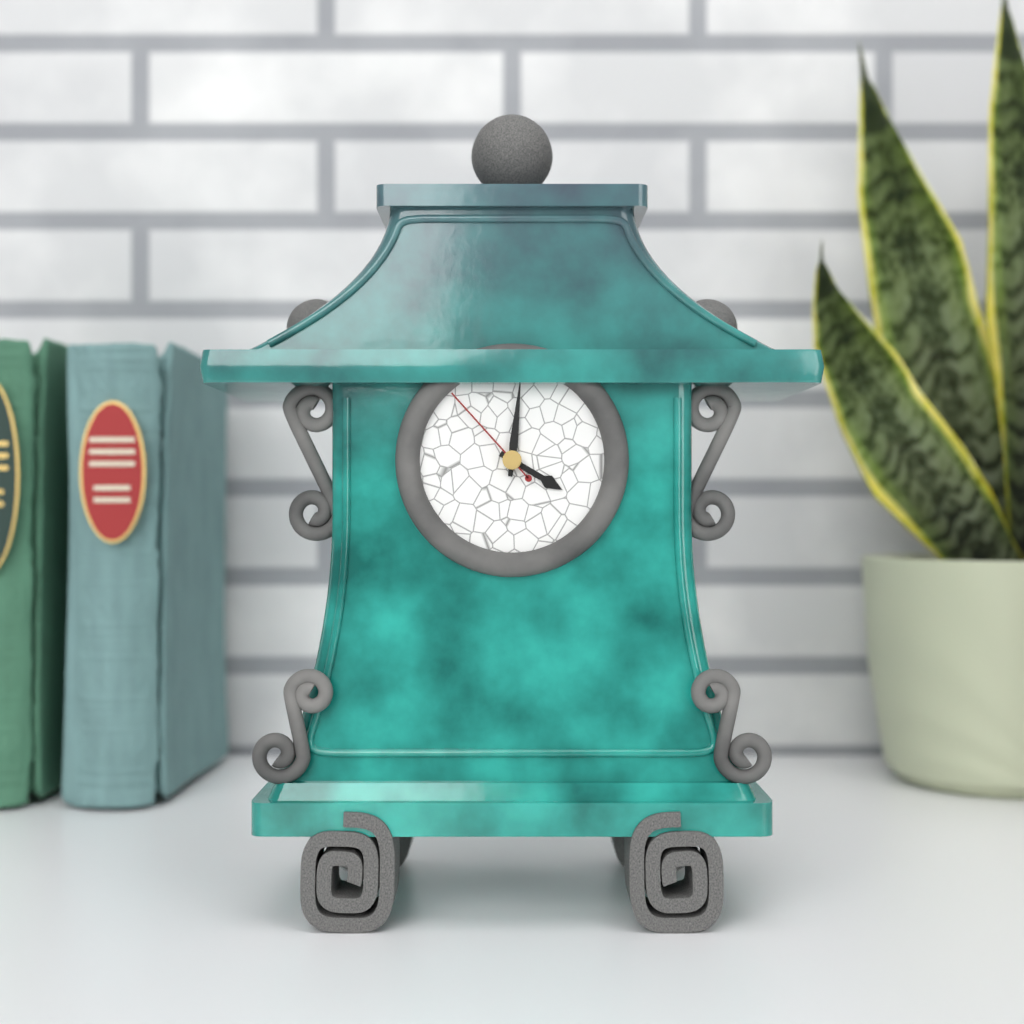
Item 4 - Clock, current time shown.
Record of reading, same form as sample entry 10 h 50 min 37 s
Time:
4 h 01 min 53 s
